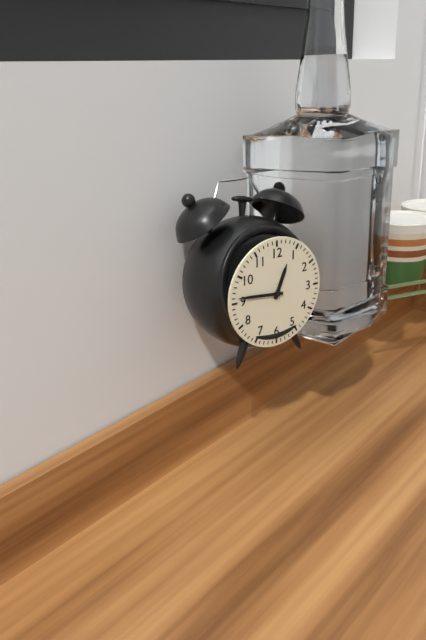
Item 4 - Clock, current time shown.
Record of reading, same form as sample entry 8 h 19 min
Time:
12 h 46 min
